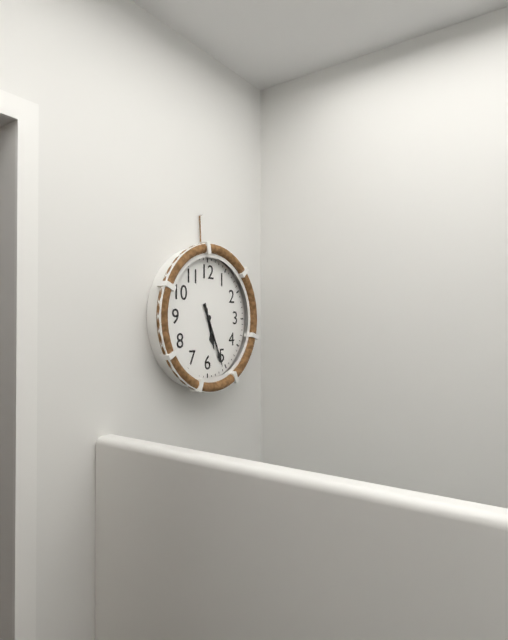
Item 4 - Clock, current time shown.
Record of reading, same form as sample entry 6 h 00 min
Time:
5 h 26 min
